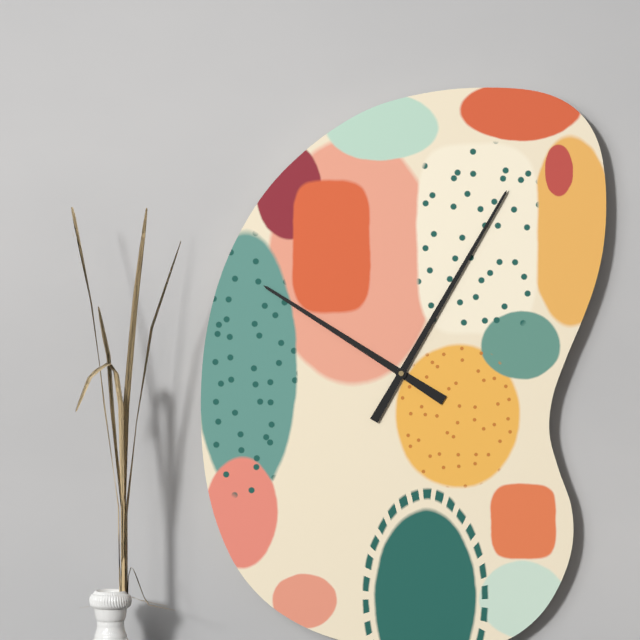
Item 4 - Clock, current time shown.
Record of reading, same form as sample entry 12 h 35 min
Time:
10 h 05 min
